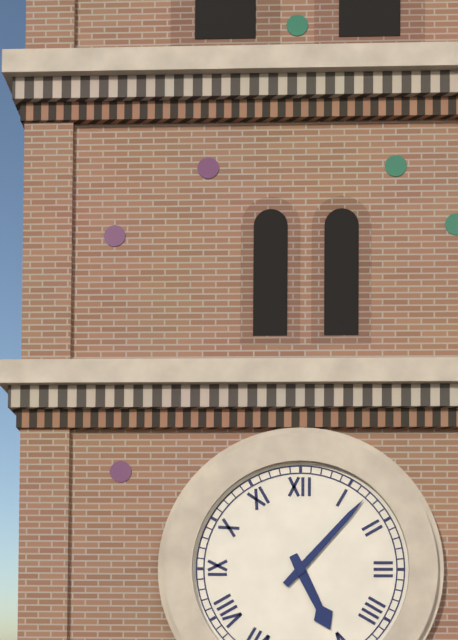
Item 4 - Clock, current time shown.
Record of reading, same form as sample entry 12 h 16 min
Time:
5 h 07 min
